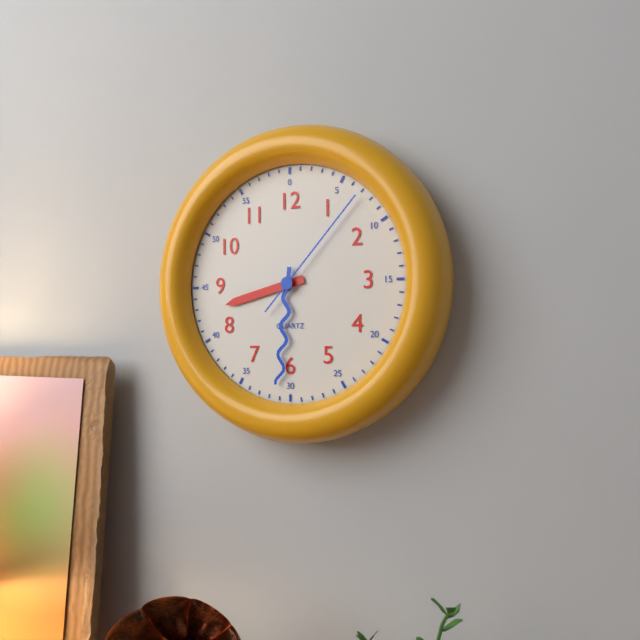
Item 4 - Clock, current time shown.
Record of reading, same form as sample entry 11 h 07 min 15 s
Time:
8 h 31 min 07 s
